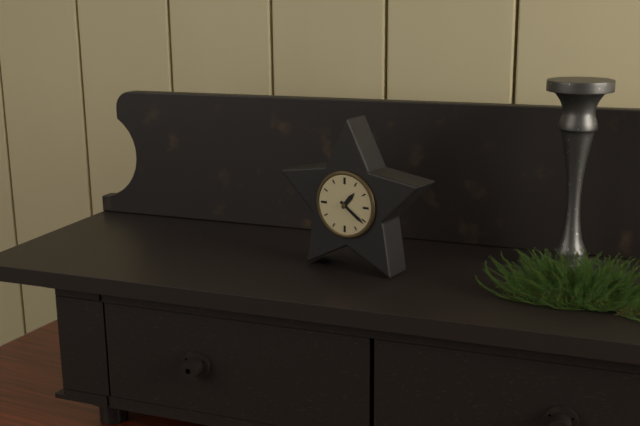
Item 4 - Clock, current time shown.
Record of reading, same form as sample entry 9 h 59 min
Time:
1 h 21 min
